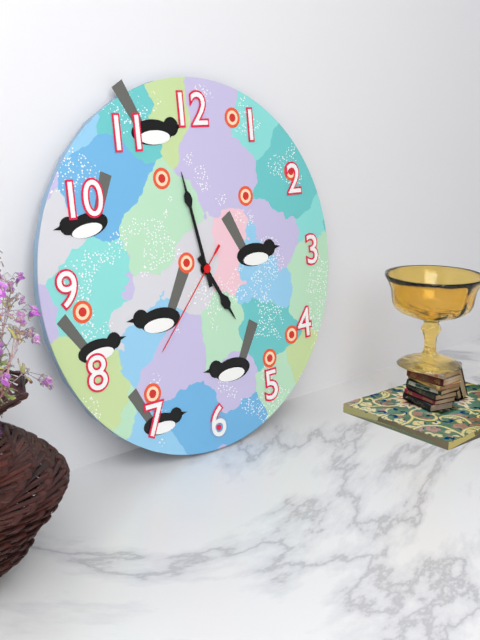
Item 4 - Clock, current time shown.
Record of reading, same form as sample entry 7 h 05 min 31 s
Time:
4 h 58 min 37 s
